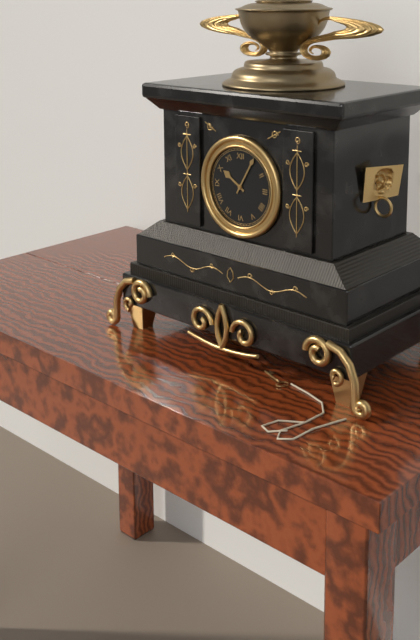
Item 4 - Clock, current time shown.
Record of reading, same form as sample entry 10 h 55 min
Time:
10 h 05 min
